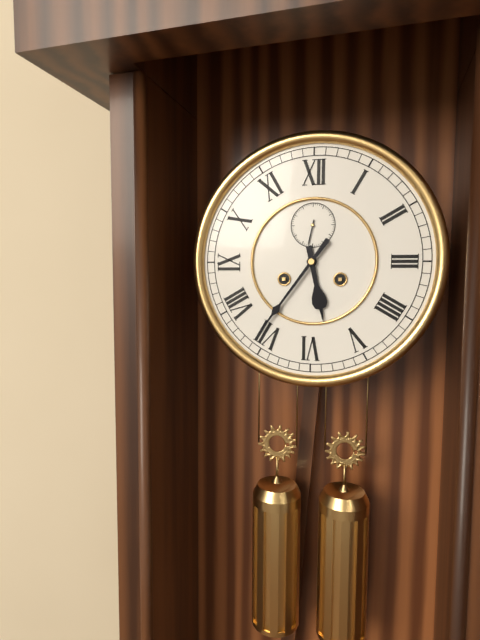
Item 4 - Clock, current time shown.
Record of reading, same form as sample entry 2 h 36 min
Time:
5 h 36 min
